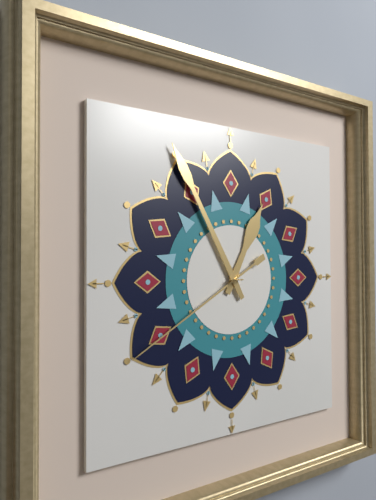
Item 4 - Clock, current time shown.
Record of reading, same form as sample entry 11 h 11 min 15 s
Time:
12 h 55 min 40 s
